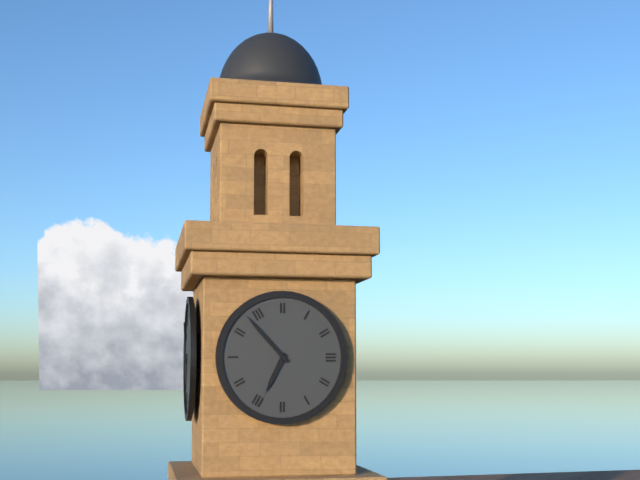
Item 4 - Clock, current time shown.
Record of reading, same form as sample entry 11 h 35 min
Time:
6 h 53 min
